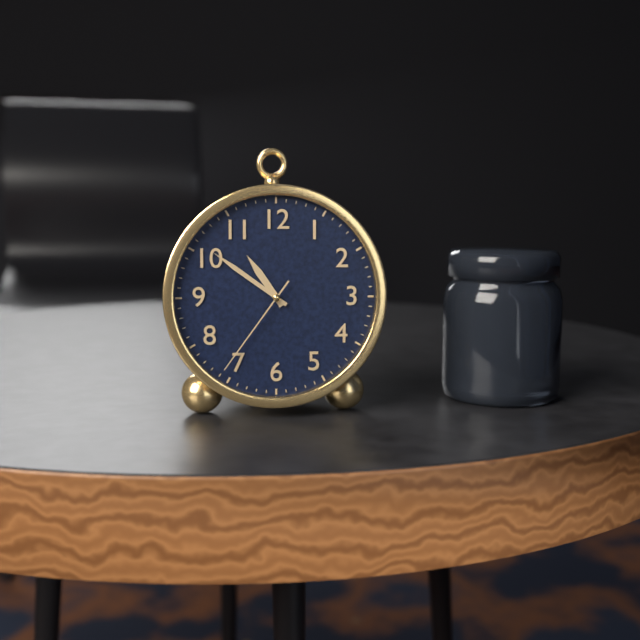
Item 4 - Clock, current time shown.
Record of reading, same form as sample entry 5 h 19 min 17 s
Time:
10 h 51 min 36 s
